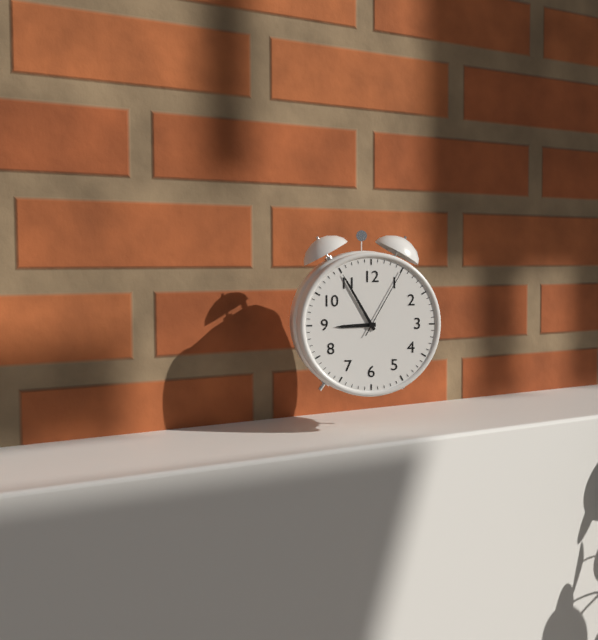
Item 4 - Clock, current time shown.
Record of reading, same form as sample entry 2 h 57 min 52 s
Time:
8 h 55 min 05 s
